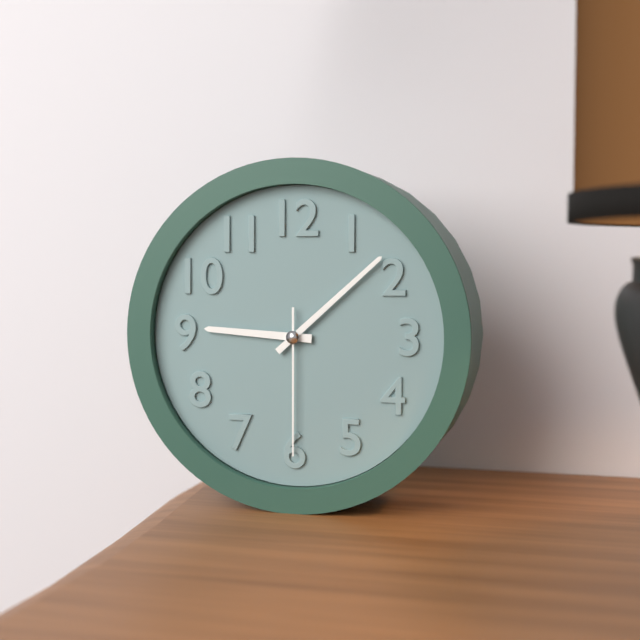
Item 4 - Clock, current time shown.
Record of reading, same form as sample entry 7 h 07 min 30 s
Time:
9 h 08 min 30 s
